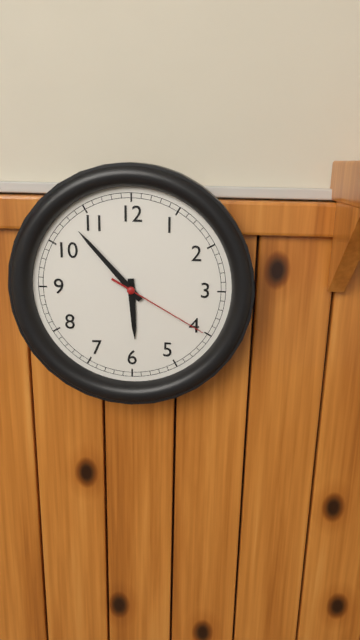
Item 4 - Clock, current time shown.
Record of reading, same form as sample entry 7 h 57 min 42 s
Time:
5 h 53 min 20 s
